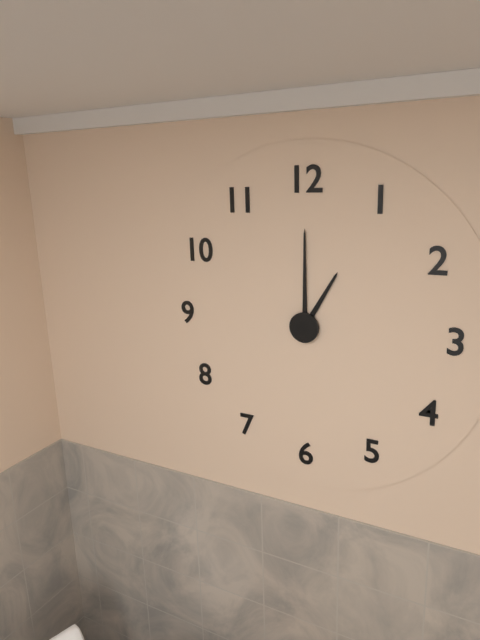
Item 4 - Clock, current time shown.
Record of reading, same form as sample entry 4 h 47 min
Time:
1 h 00 min
